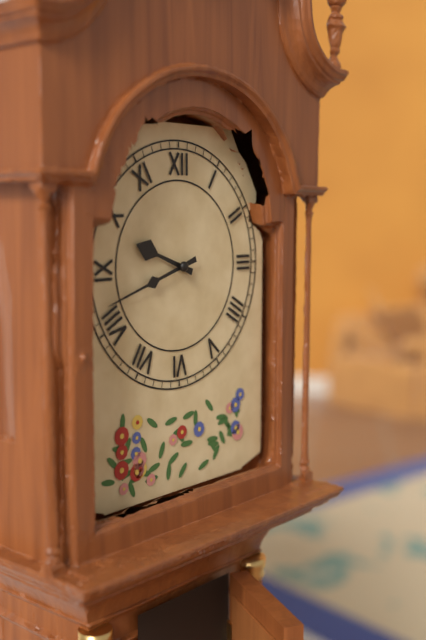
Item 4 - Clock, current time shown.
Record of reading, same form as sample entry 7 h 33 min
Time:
9 h 42 min
